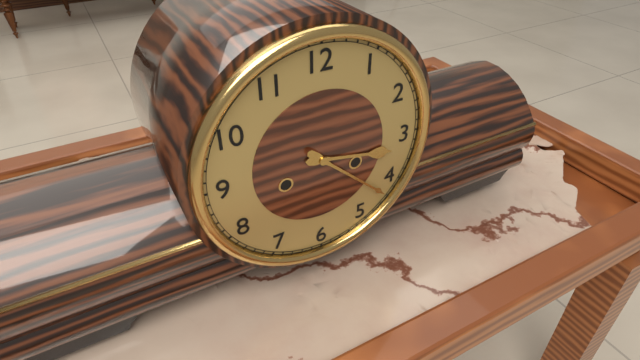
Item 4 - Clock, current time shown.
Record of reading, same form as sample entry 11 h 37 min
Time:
3 h 22 min
